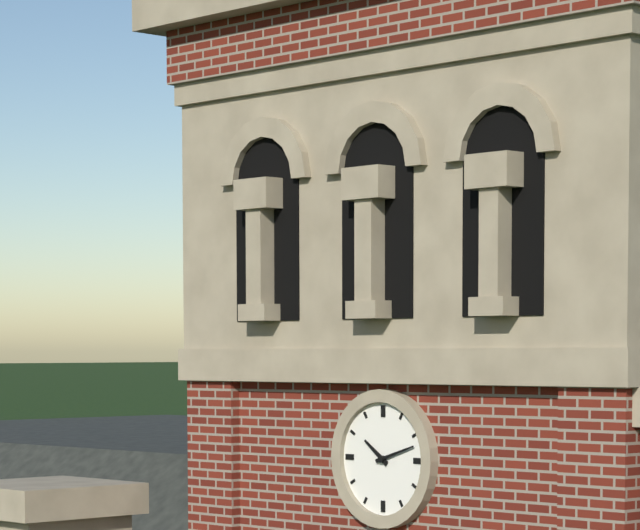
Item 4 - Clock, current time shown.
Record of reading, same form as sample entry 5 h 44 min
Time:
10 h 12 min
